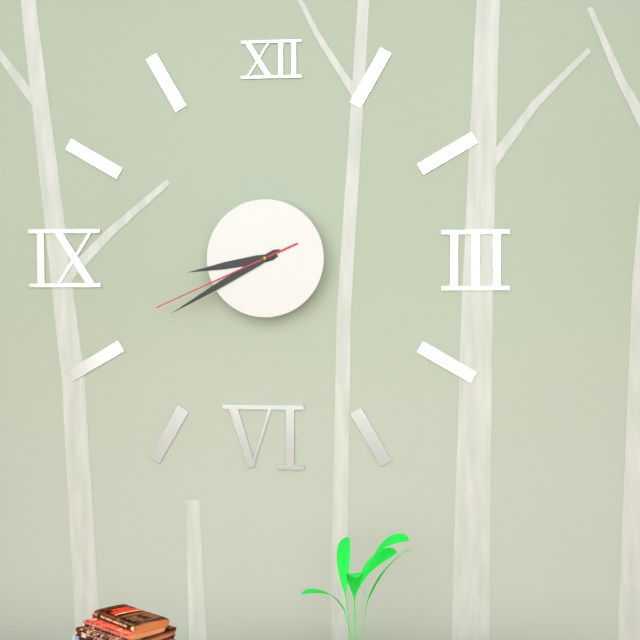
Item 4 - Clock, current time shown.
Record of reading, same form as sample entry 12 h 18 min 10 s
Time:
8 h 40 min 41 s
